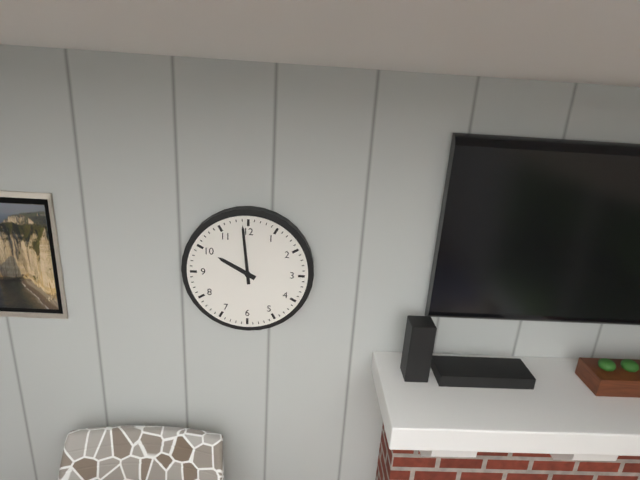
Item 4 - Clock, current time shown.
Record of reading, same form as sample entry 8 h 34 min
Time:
9 h 59 min
